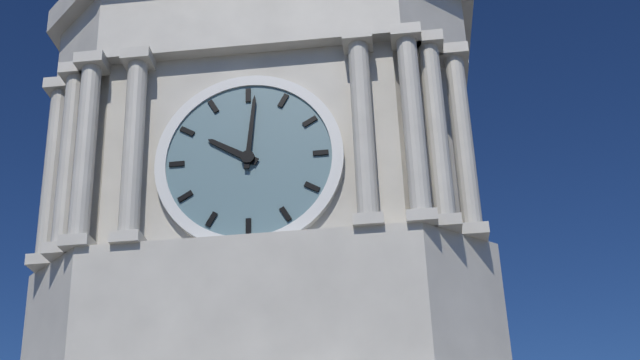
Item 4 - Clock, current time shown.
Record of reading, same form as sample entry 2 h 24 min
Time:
10 h 01 min
